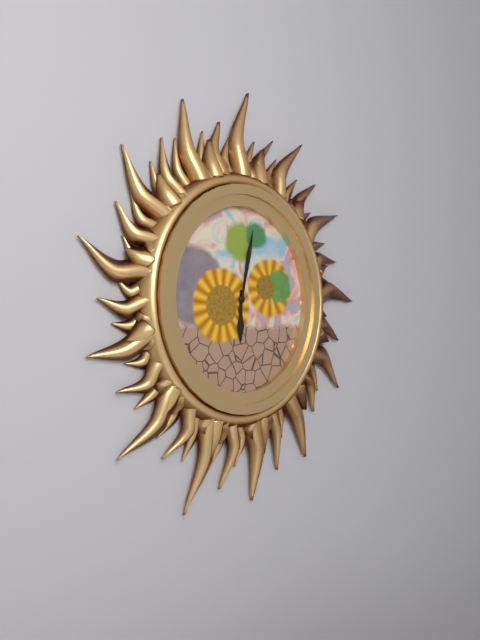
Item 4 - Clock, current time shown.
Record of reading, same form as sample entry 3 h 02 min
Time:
6 h 02 min
